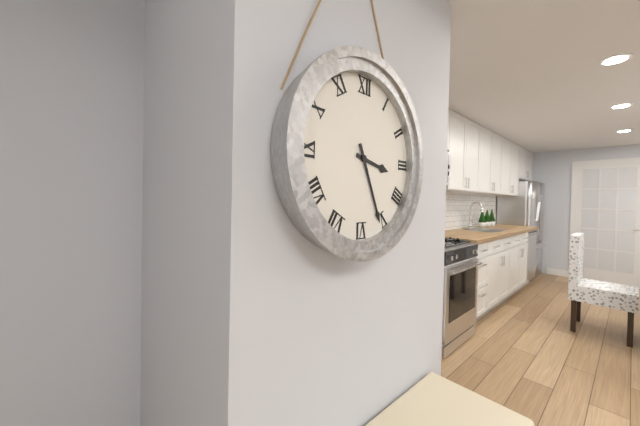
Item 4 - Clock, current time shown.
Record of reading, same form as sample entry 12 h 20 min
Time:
3 h 26 min
